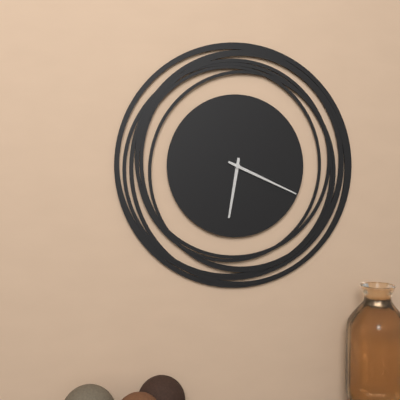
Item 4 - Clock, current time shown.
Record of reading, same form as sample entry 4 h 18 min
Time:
6 h 19 min
